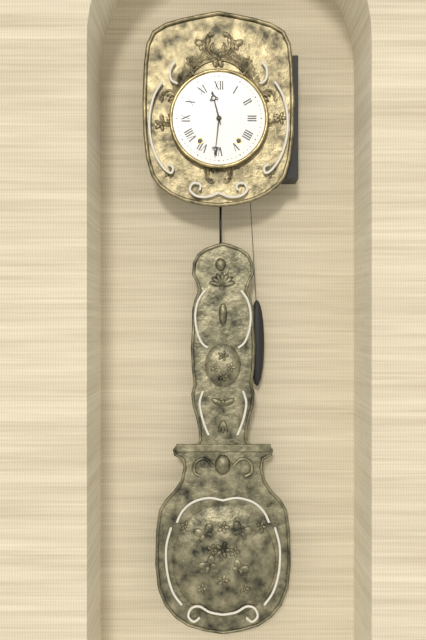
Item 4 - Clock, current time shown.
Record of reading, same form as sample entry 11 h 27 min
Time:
11 h 31 min
